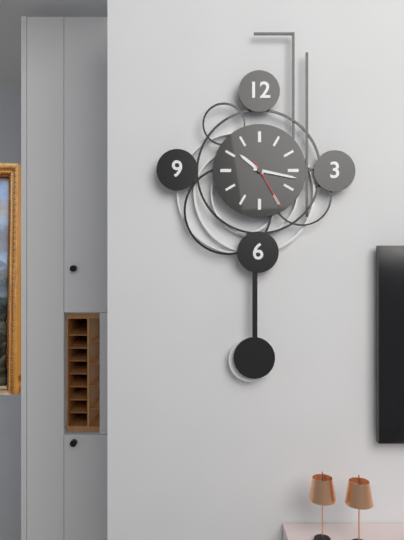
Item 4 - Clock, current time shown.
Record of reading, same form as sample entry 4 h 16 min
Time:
10 h 17 min
